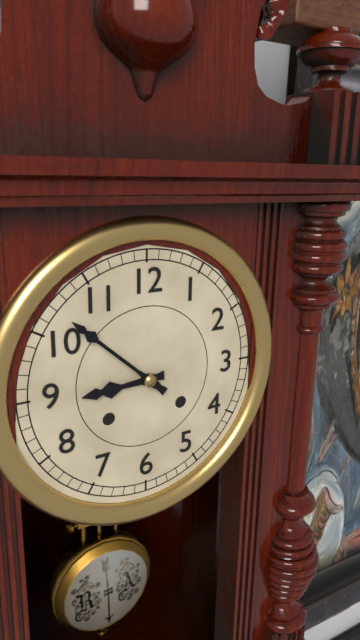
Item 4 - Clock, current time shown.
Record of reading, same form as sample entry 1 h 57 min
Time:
8 h 52 min
